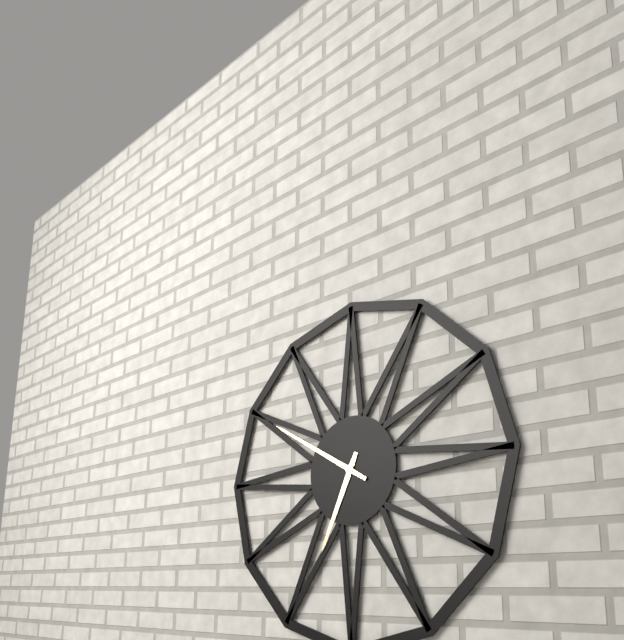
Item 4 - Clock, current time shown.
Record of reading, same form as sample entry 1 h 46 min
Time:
6 h 50 min
